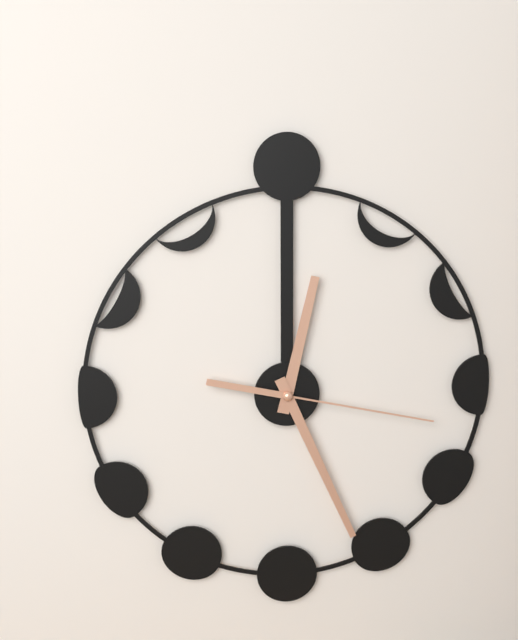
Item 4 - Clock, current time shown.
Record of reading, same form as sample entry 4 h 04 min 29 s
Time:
12 h 26 min 17 s
